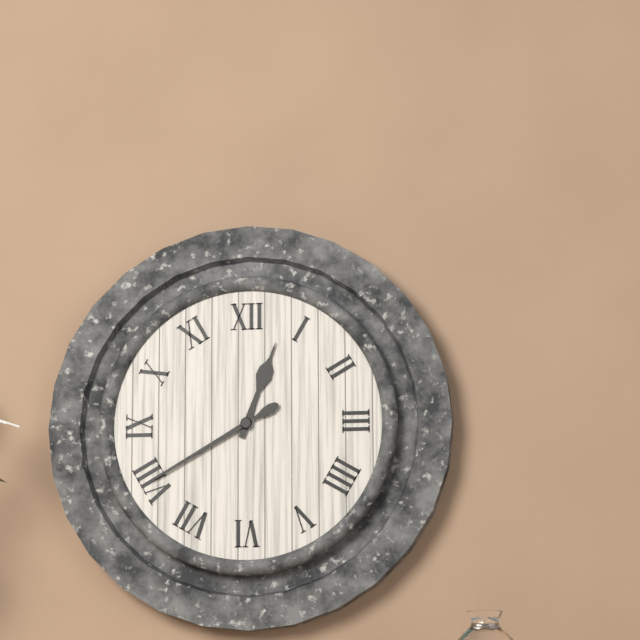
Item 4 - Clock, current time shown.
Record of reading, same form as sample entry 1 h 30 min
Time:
12 h 40 min
